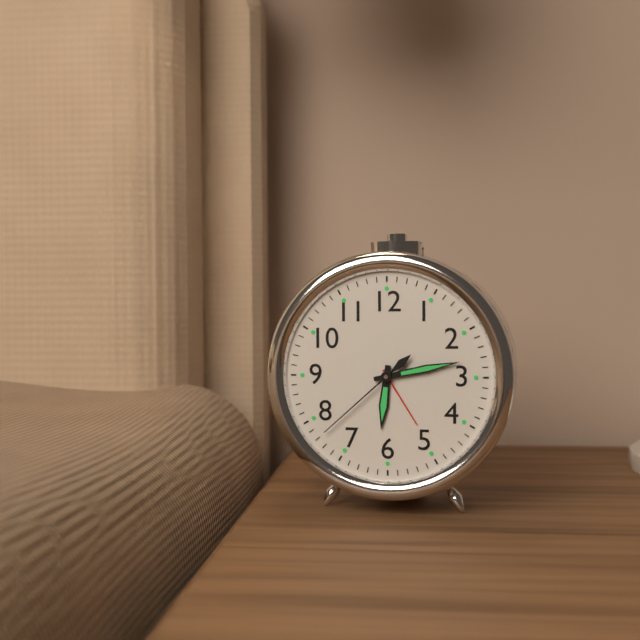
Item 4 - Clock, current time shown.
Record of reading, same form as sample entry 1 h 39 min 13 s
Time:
6 h 13 min 38 s
